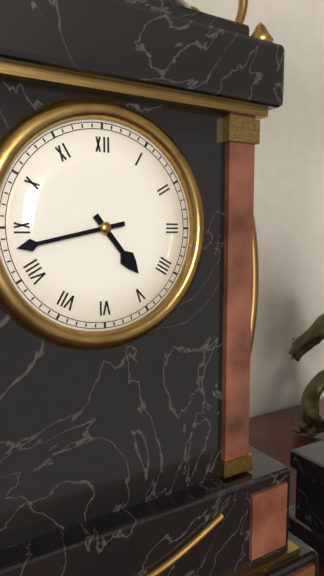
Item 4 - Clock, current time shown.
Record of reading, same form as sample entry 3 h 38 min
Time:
4 h 43 min
